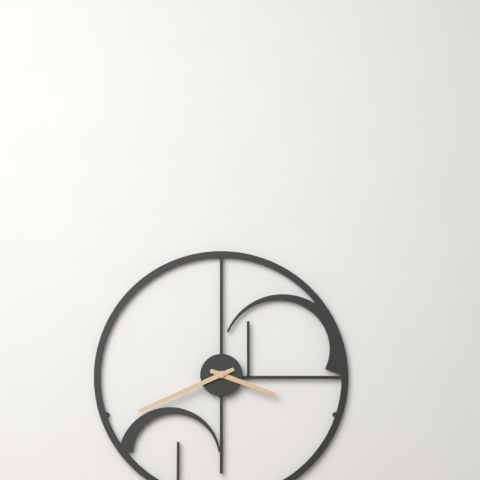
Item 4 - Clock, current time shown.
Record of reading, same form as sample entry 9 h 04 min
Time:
3 h 41 min
